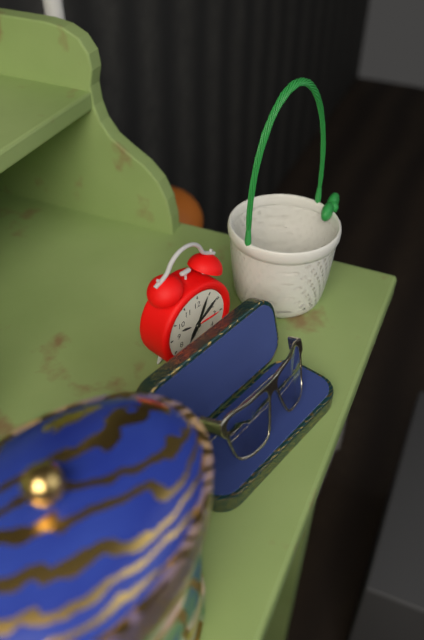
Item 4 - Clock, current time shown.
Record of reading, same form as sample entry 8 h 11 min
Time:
7 h 04 min
